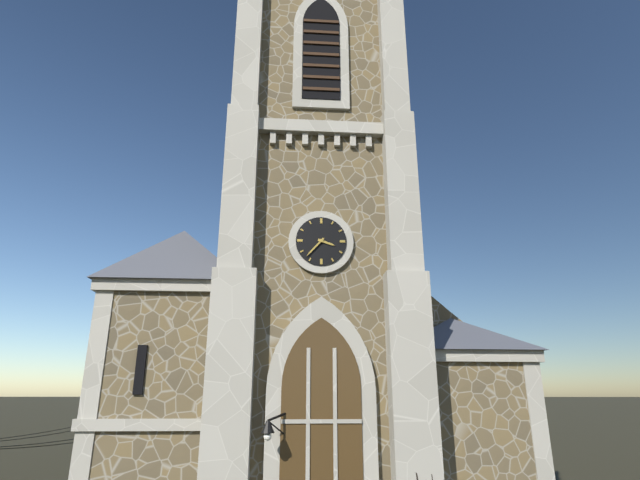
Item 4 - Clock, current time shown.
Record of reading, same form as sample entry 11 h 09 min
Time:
3 h 37 min
